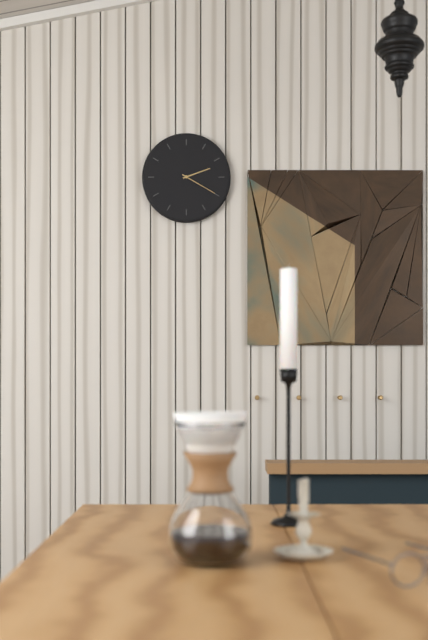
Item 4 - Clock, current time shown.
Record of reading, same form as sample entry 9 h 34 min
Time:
2 h 20 min
